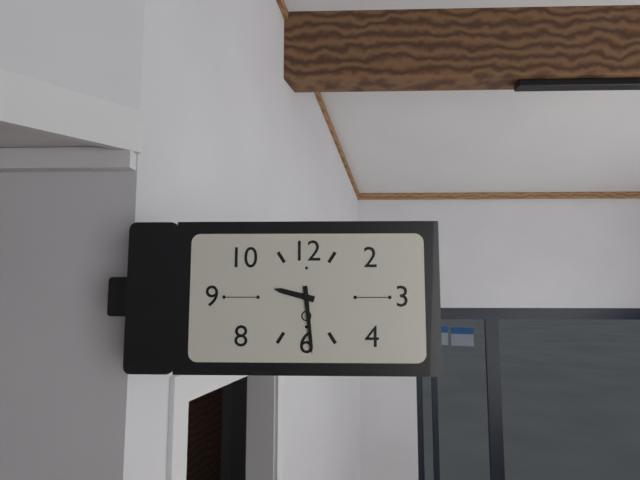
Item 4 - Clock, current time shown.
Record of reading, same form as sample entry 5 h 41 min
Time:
9 h 29 min
